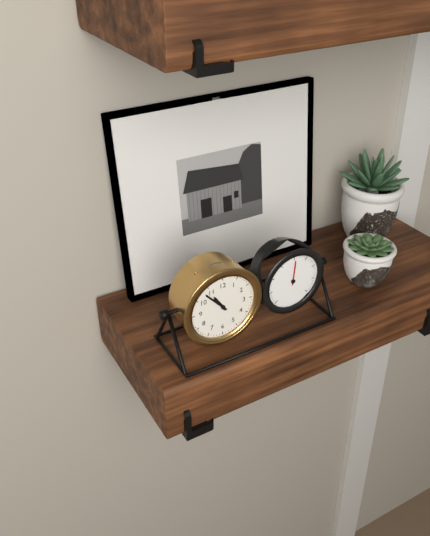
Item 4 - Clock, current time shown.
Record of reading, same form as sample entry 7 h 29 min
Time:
10 h 53 min
